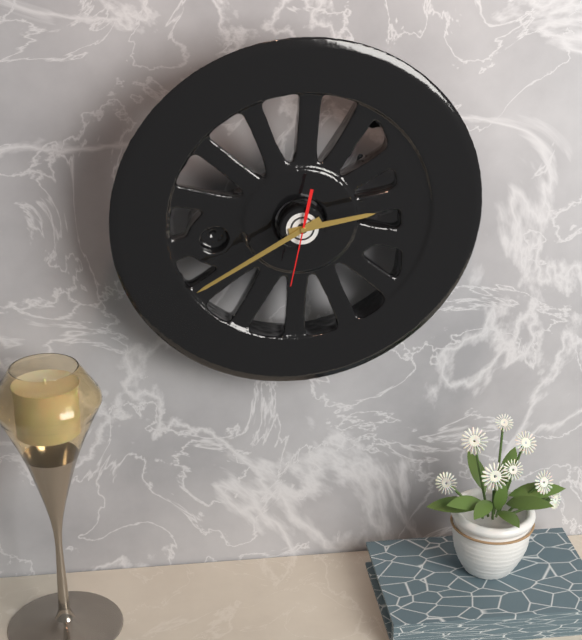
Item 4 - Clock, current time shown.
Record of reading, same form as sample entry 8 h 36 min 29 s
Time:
2 h 40 min 32 s
